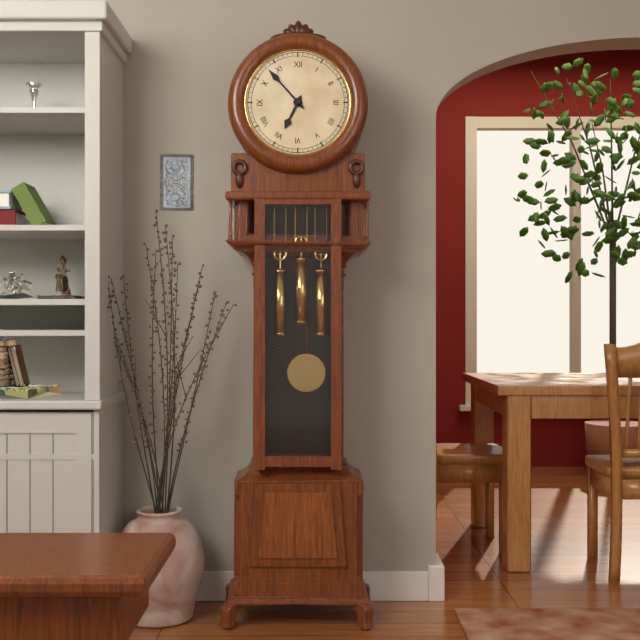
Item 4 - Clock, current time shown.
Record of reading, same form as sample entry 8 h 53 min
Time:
6 h 53 min
